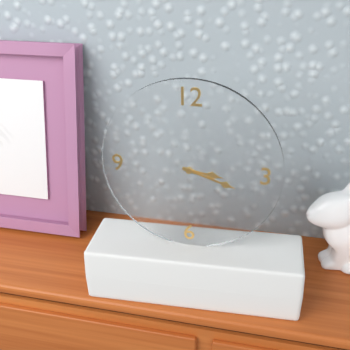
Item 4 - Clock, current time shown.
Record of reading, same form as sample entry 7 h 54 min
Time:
3 h 18 min
